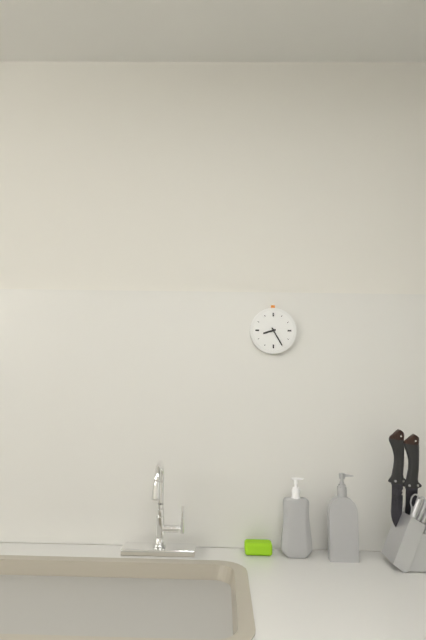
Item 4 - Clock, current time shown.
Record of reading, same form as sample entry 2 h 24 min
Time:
8 h 25 min
